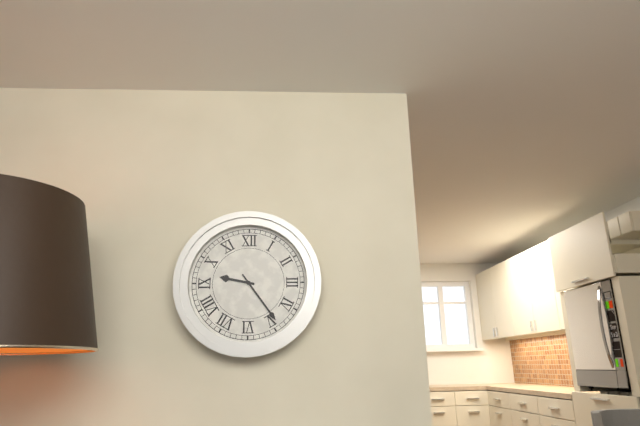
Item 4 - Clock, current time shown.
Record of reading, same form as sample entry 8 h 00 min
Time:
9 h 24 min
